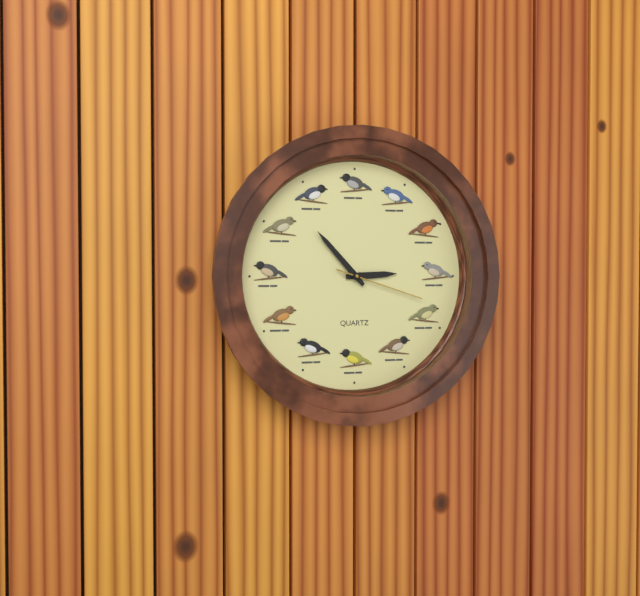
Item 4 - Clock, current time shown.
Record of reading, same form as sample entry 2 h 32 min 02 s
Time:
2 h 53 min 18 s
